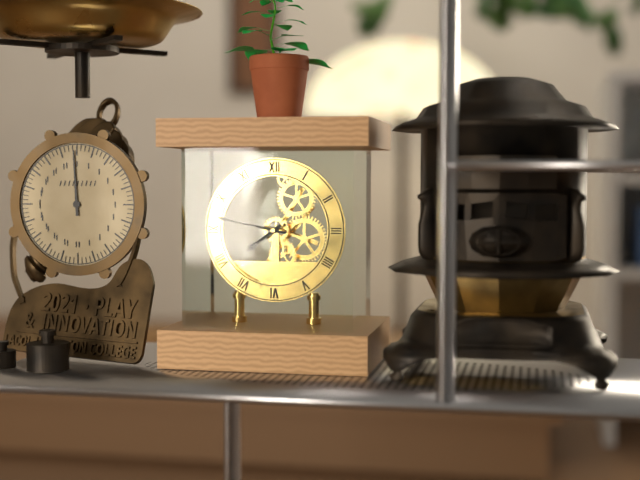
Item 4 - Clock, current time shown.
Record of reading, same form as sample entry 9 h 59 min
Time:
7 h 47 min
